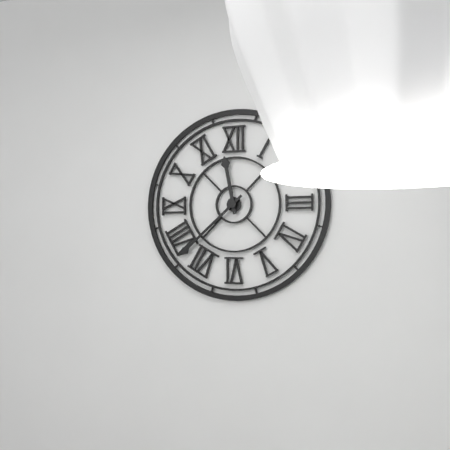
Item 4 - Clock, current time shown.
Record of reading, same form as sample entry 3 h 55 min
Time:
11 h 38 min
